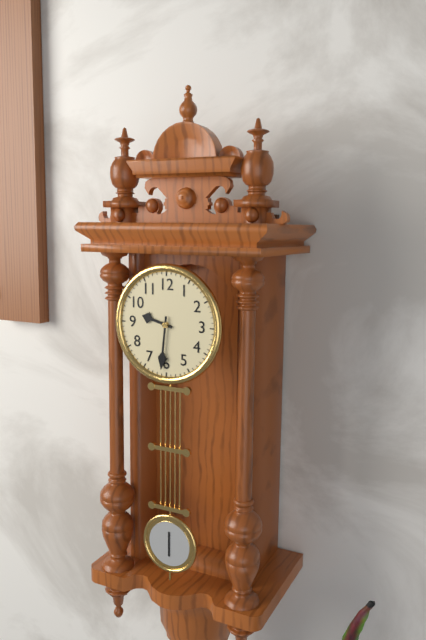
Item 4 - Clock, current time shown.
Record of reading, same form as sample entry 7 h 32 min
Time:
9 h 31 min
